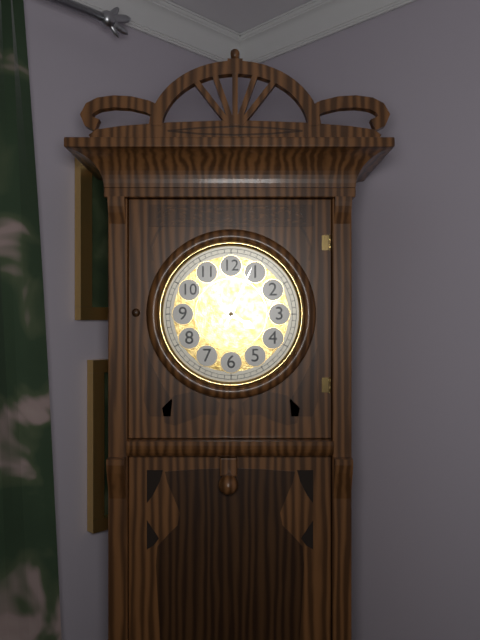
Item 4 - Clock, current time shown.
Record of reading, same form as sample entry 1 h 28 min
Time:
4 h 04 min
